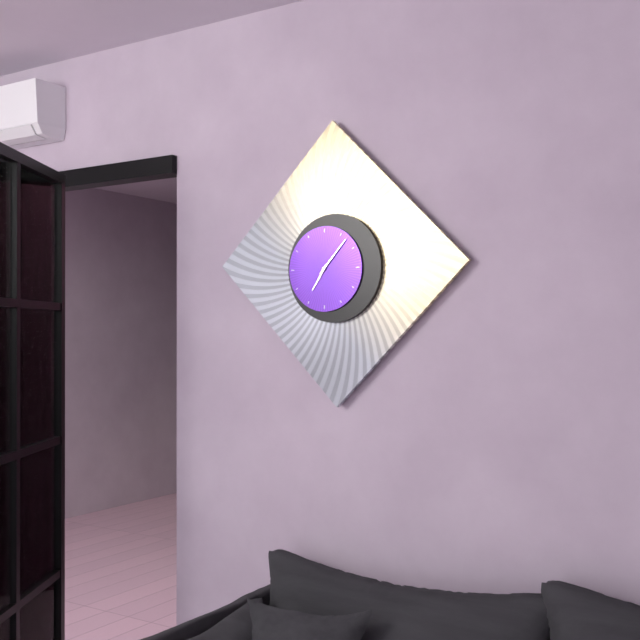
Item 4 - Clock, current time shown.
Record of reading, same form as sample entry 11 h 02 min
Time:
7 h 07 min
